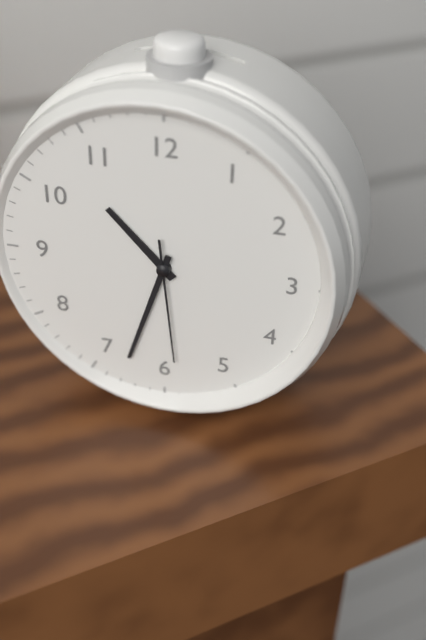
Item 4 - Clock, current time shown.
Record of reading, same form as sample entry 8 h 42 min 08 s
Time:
10 h 33 min 29 s
